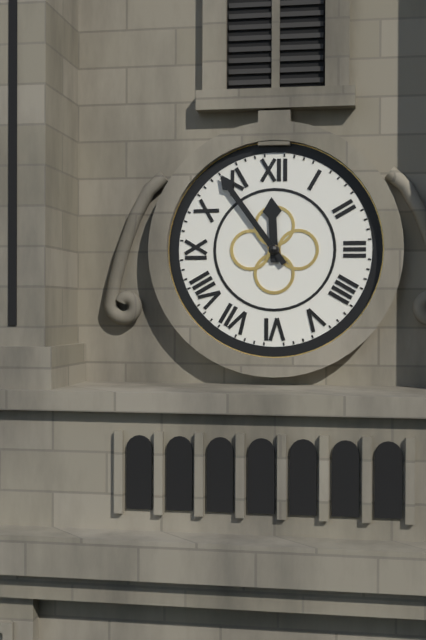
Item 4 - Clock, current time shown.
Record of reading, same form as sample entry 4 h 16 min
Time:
11 h 54 min
